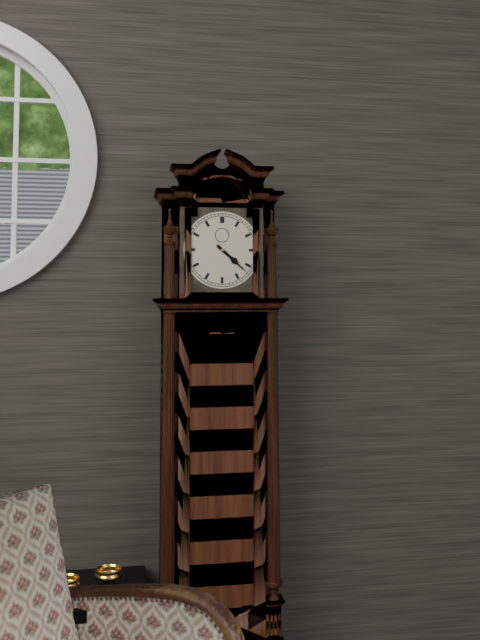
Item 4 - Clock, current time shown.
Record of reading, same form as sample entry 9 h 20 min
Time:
4 h 22 min
